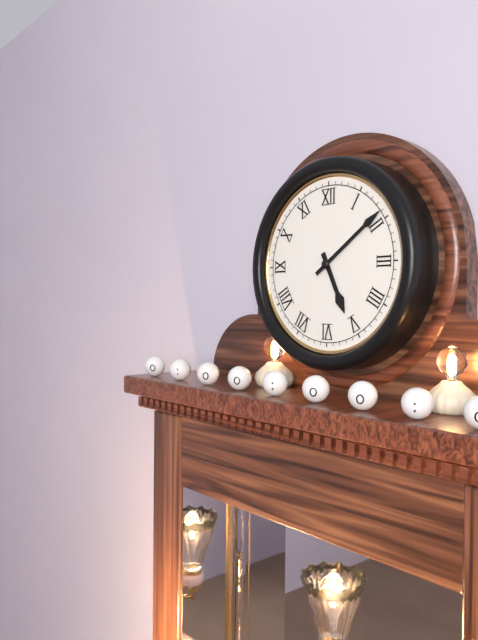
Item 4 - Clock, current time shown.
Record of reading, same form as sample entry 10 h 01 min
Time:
5 h 09 min
